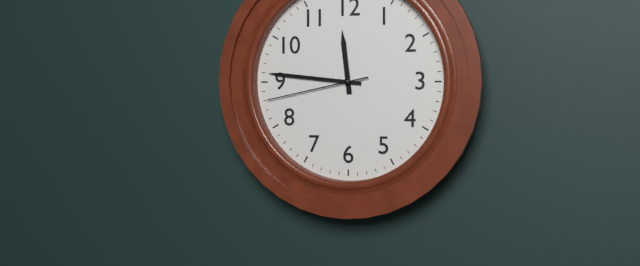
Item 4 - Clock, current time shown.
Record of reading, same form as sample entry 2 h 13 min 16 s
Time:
11 h 46 min 43 s
